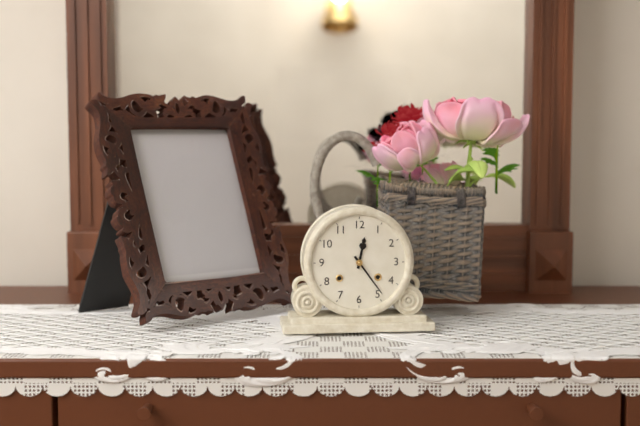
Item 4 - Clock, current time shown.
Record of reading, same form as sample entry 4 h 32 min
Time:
12 h 24 min
